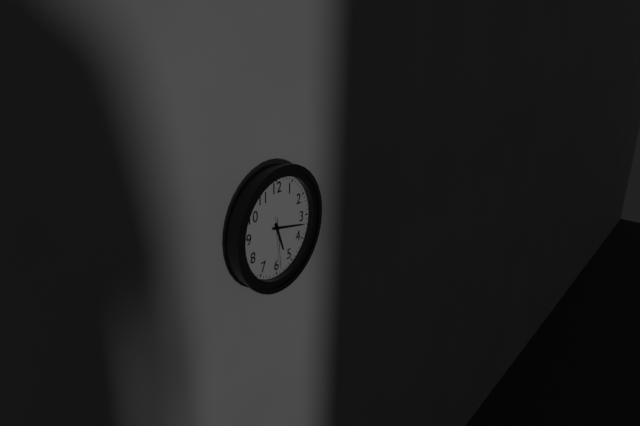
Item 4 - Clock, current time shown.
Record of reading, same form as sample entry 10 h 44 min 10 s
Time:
5 h 17 min 29 s
